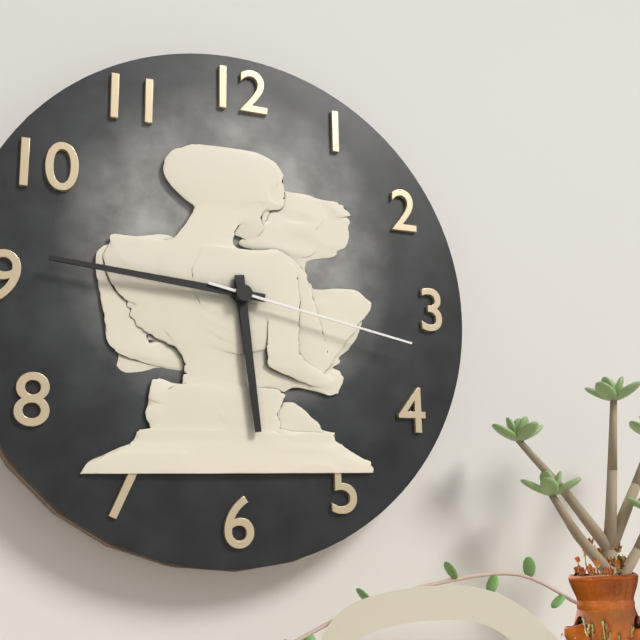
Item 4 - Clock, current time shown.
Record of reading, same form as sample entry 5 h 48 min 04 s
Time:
5 h 46 min 17 s
